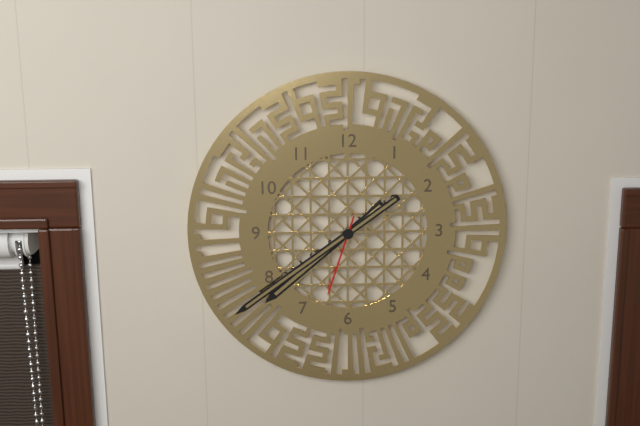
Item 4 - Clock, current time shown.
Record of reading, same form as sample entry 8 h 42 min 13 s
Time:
7 h 39 min 33 s
